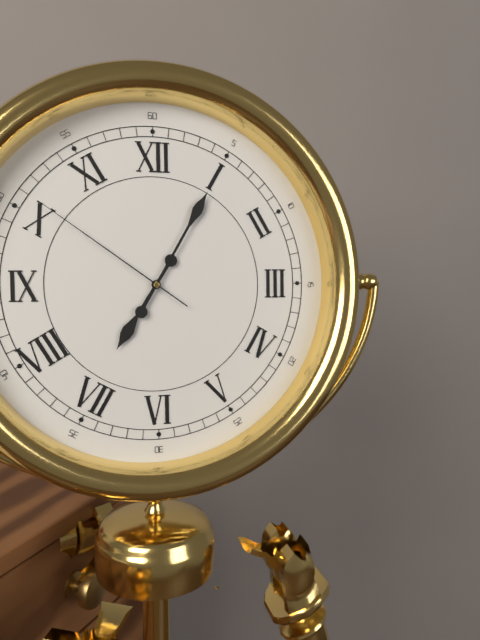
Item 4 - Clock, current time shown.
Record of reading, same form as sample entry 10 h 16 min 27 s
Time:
7 h 05 min 51 s
